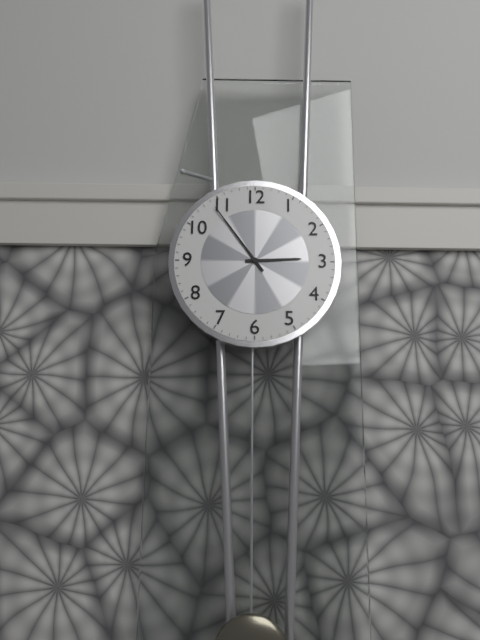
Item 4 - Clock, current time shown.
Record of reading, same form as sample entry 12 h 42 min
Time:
2 h 54 min
